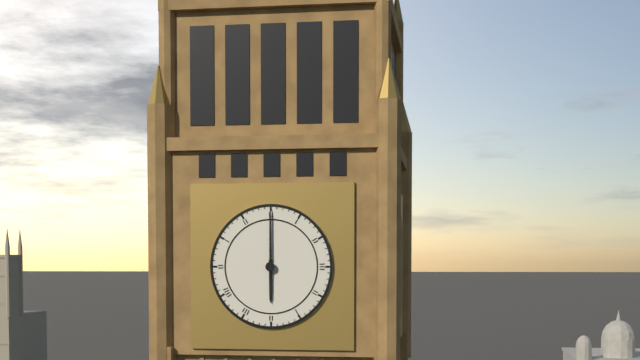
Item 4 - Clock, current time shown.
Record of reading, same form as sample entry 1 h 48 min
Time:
6 h 00 min
